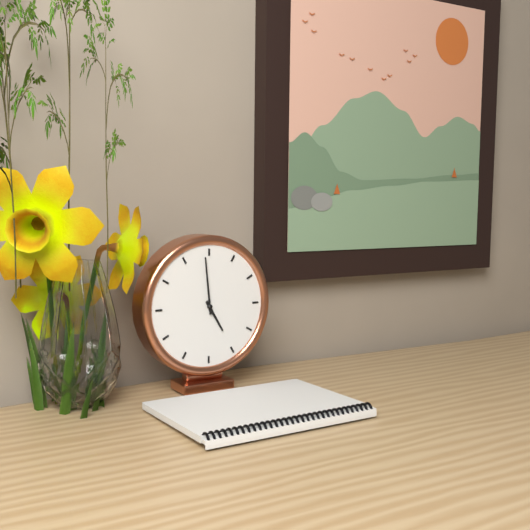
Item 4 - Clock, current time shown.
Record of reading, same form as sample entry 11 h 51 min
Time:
4 h 59 min
